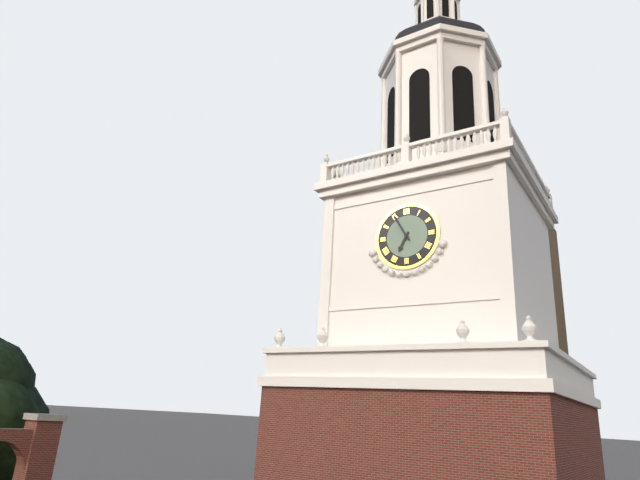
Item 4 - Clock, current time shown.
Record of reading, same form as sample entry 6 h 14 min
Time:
6 h 55 min
